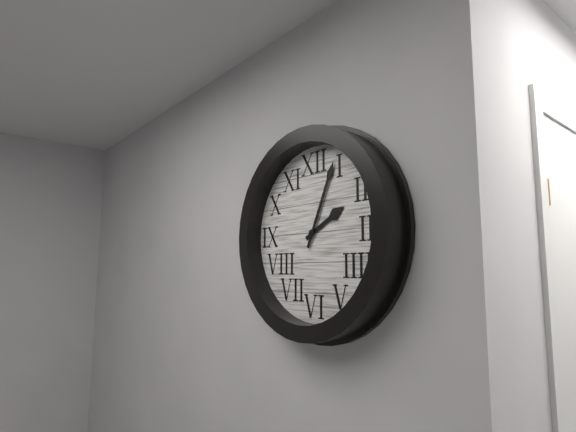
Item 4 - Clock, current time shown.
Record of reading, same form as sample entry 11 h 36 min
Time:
2 h 04 min
